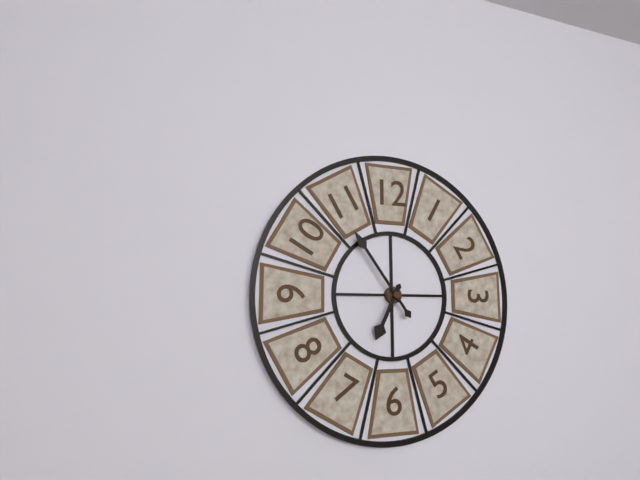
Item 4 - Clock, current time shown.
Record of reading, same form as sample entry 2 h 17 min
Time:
6 h 54 min
